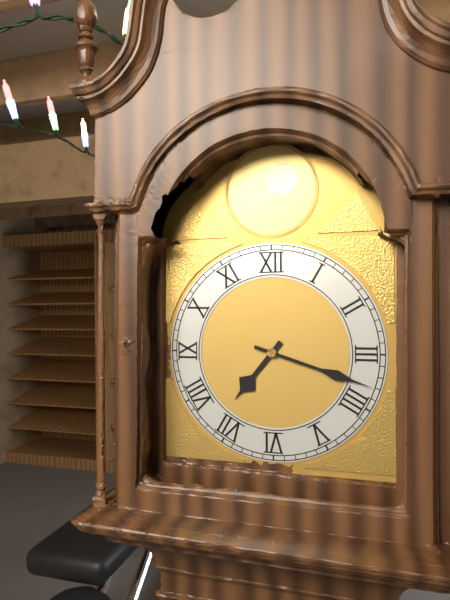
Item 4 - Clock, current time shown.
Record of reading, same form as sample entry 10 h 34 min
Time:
7 h 18 min
